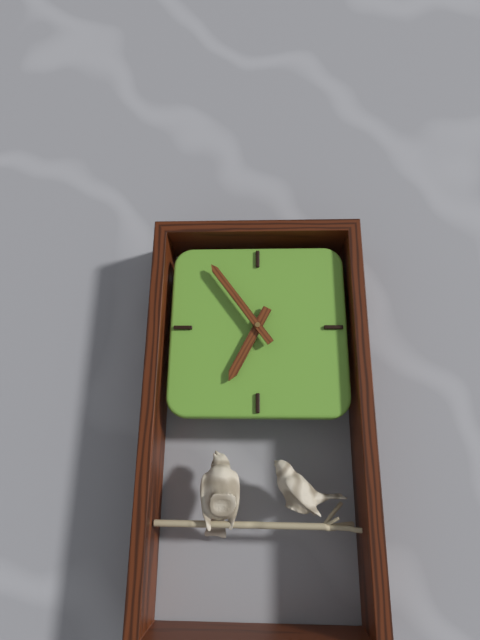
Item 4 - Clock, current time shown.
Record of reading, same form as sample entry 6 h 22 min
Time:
6 h 54 min
